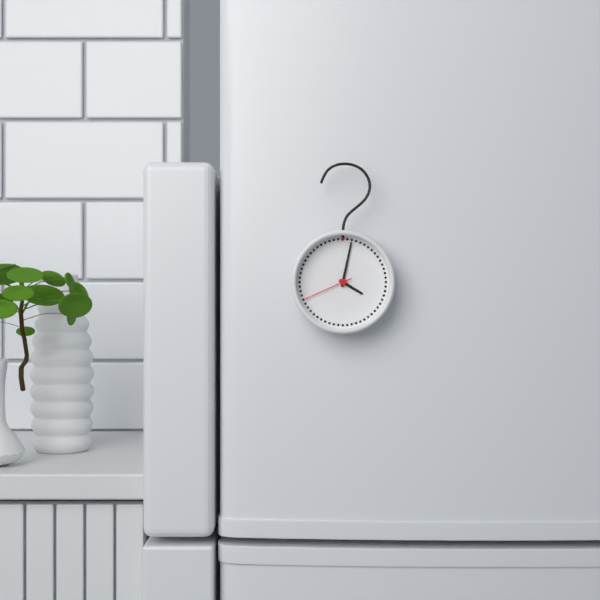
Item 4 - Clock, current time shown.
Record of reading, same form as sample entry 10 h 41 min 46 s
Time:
4 h 02 min 41 s
